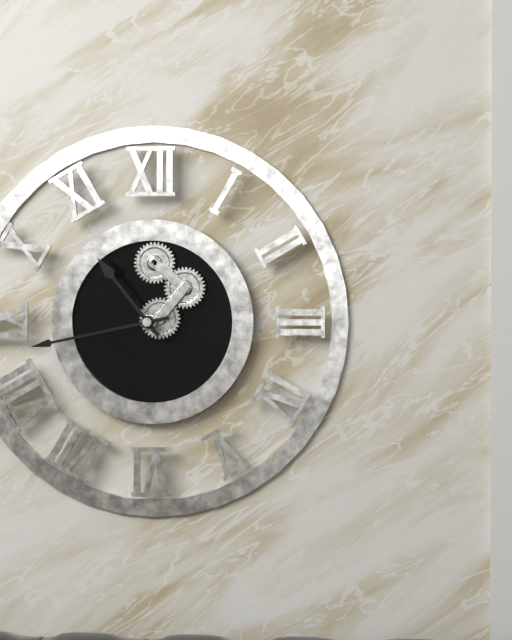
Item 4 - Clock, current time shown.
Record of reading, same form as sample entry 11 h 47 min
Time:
10 h 43 min
